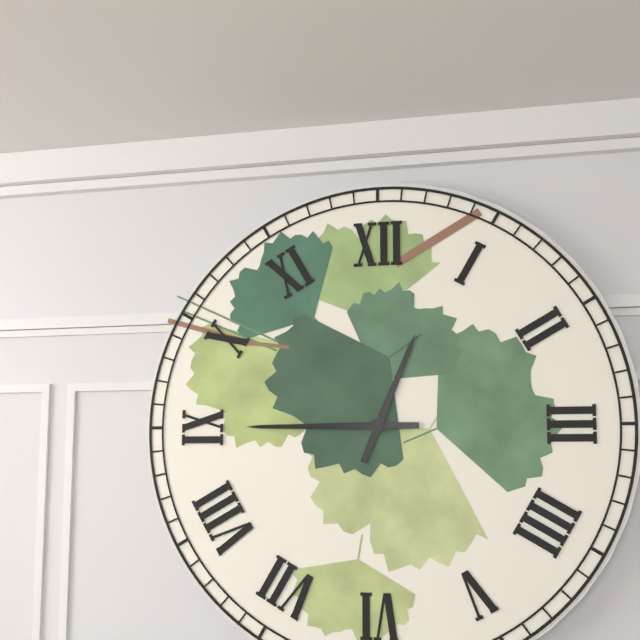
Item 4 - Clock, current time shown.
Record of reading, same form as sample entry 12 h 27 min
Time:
12 h 45 min
